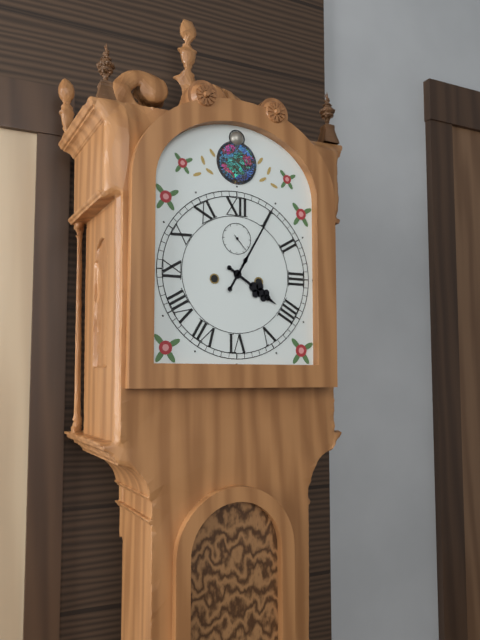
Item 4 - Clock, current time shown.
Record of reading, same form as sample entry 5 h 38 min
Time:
4 h 05 min
